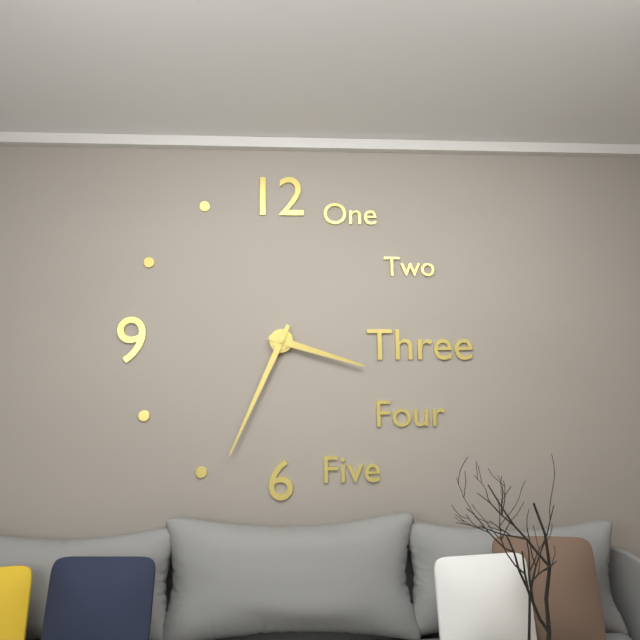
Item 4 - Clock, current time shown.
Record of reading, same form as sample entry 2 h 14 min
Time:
3 h 34 min
